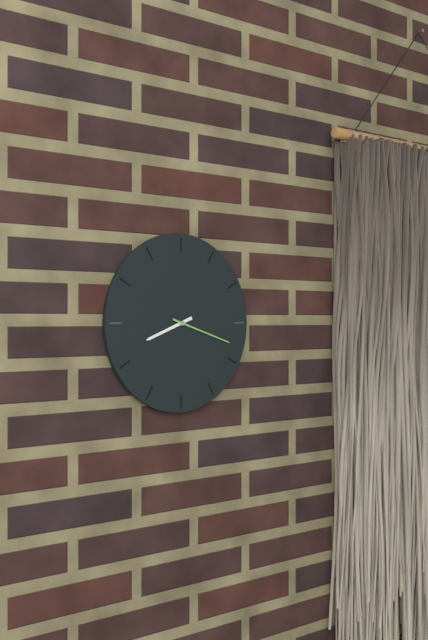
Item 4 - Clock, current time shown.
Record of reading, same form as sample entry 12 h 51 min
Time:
8 h 18 min
